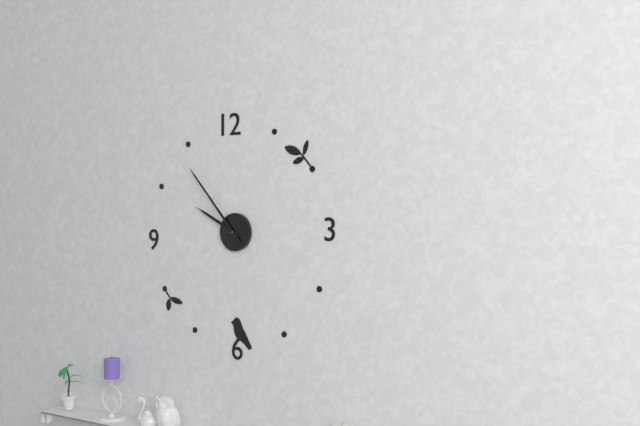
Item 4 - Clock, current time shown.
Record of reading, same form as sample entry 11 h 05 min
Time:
9 h 53 min
